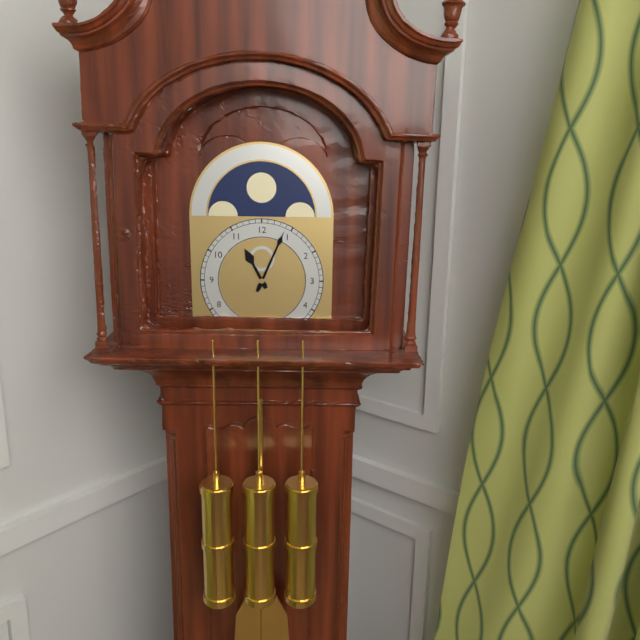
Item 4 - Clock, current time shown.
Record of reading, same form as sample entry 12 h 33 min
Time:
11 h 04 min
